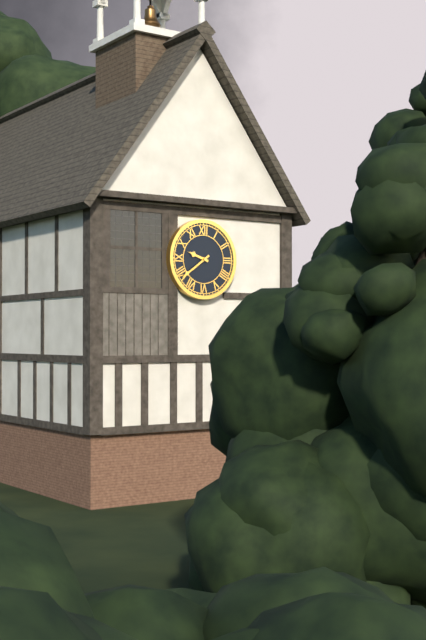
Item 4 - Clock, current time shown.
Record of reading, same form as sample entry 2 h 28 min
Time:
9 h 39 min
